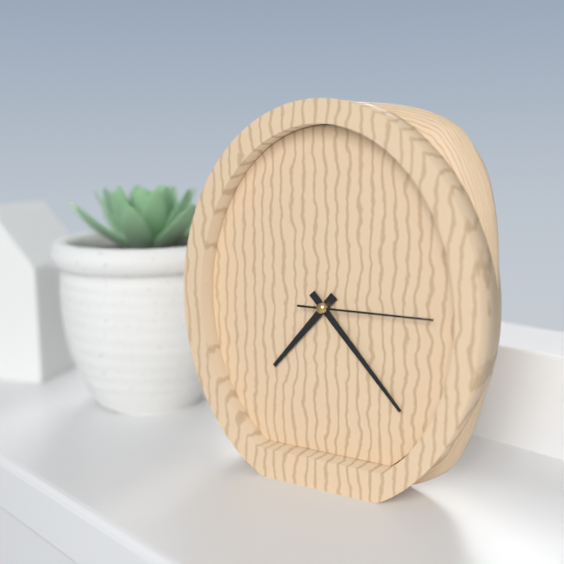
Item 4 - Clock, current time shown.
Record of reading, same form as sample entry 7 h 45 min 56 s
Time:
7 h 23 min 15 s
